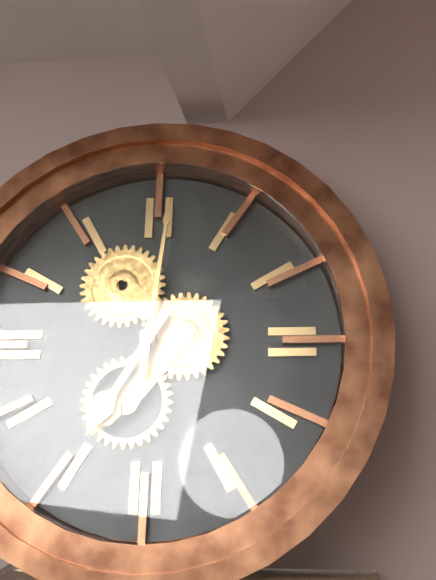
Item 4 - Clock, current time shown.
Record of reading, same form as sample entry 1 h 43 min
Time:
7 h 01 min
